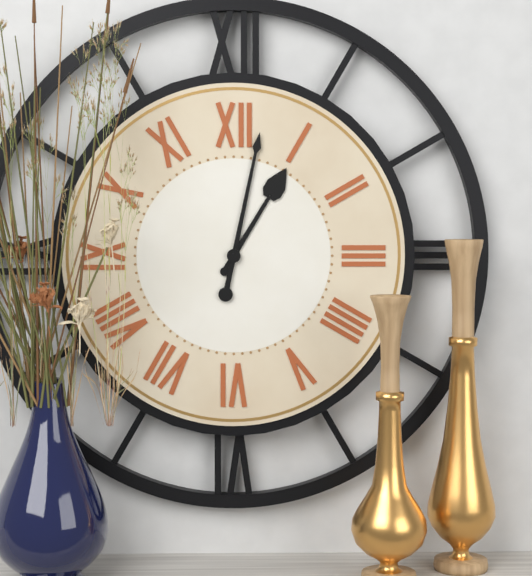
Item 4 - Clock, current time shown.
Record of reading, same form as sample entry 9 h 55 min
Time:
1 h 02 min
